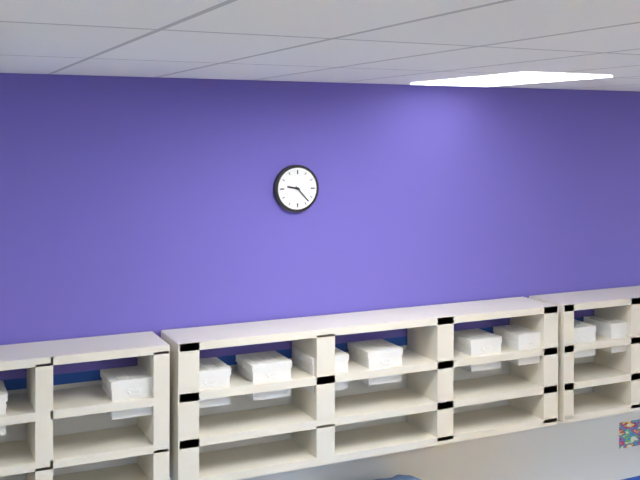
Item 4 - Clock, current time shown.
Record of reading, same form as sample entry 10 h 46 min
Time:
9 h 23 min
